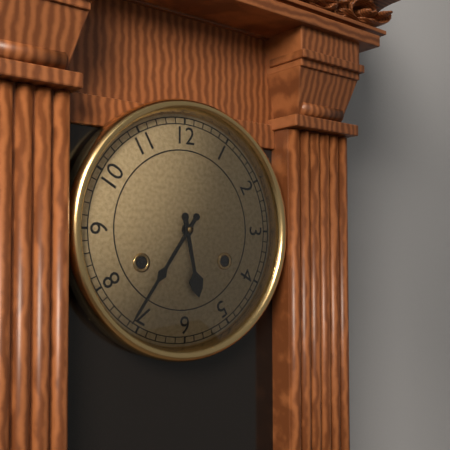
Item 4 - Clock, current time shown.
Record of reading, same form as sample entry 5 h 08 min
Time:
5 h 36 min
